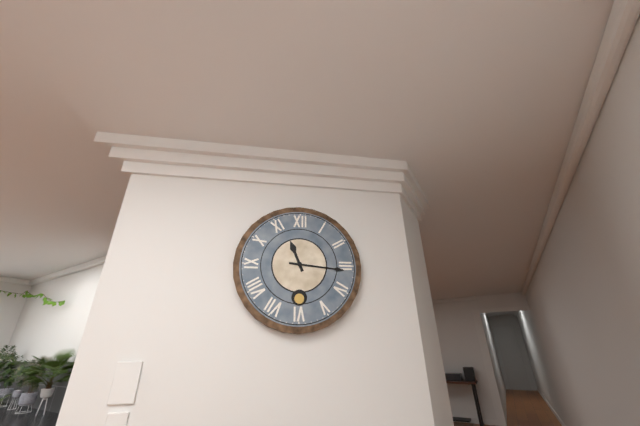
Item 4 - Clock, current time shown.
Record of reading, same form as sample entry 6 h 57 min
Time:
11 h 16 min
